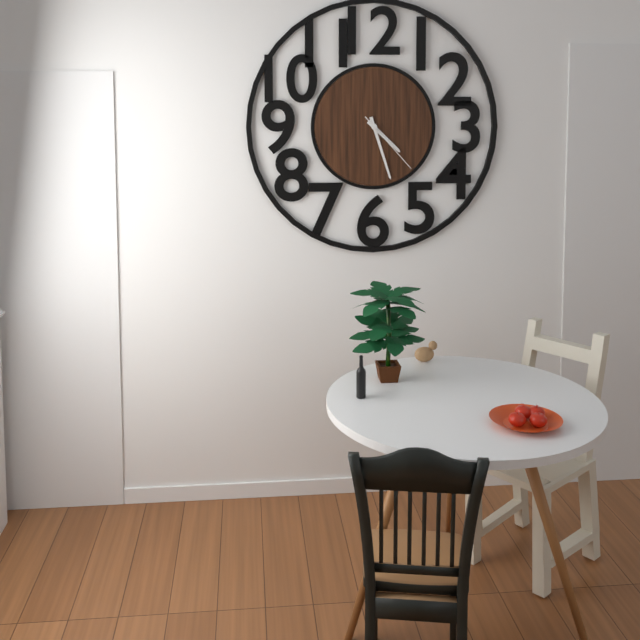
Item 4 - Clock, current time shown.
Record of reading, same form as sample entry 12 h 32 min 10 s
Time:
4 h 27 min 23 s
